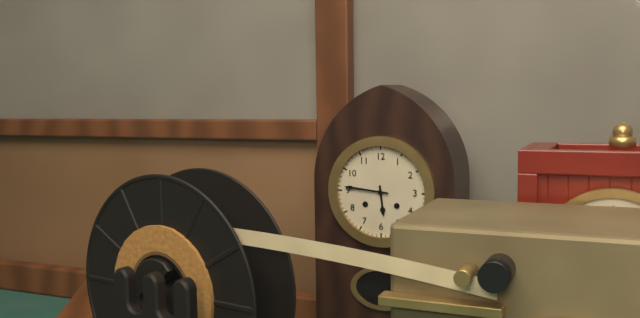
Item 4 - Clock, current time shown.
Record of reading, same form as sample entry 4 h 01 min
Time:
5 h 46 min
